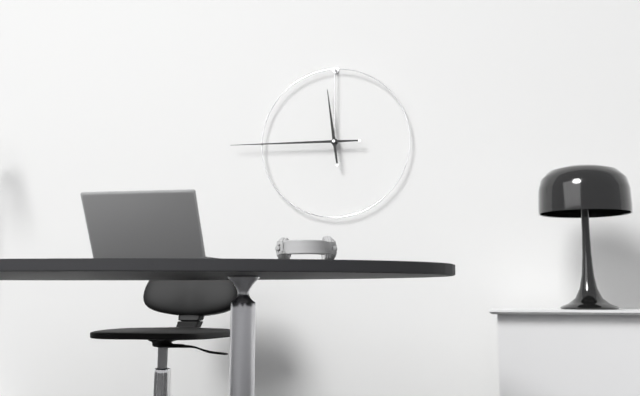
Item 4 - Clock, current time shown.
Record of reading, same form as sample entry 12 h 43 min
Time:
11 h 45 min
